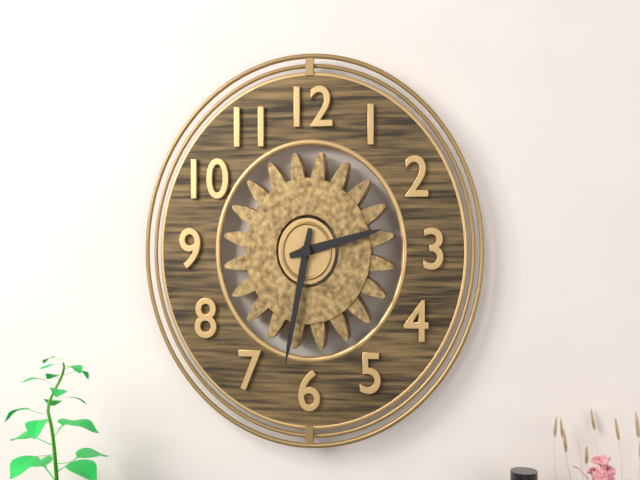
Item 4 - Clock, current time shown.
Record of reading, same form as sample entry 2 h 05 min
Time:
2 h 32 min
